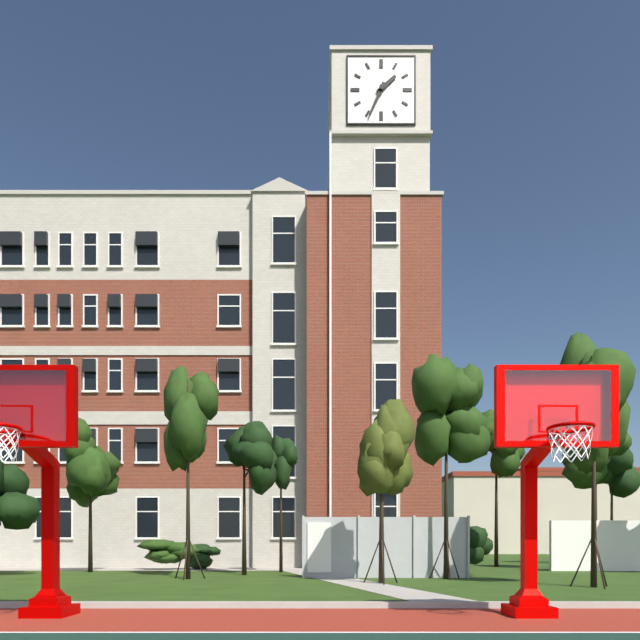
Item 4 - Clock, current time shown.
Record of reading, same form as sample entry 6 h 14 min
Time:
1 h 34 min
